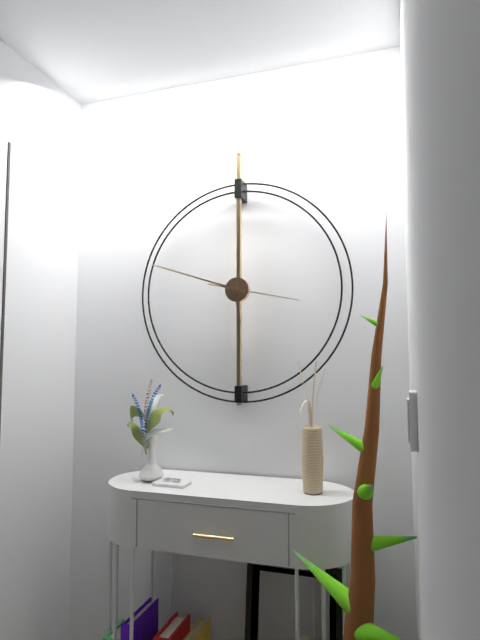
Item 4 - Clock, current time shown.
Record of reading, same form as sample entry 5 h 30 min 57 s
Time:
5 h 48 min 17 s
